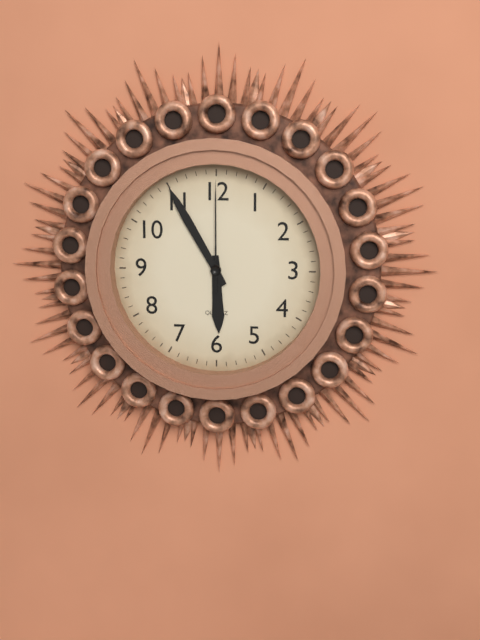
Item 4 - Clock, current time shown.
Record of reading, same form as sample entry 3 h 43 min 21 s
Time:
5 h 55 min 00 s
